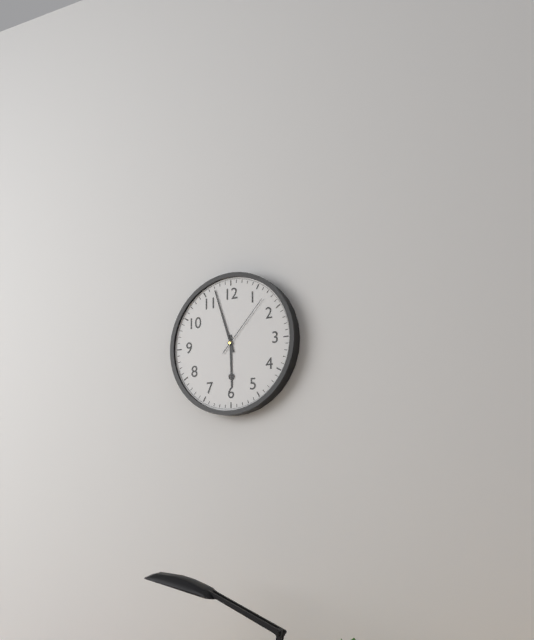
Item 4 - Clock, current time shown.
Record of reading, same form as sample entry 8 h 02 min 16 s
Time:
5 h 57 min 07 s
